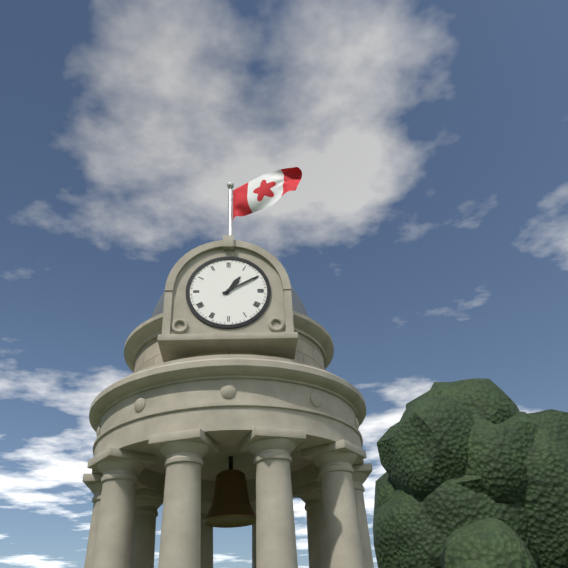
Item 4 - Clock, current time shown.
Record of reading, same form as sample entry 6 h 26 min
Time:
1 h 10 min
